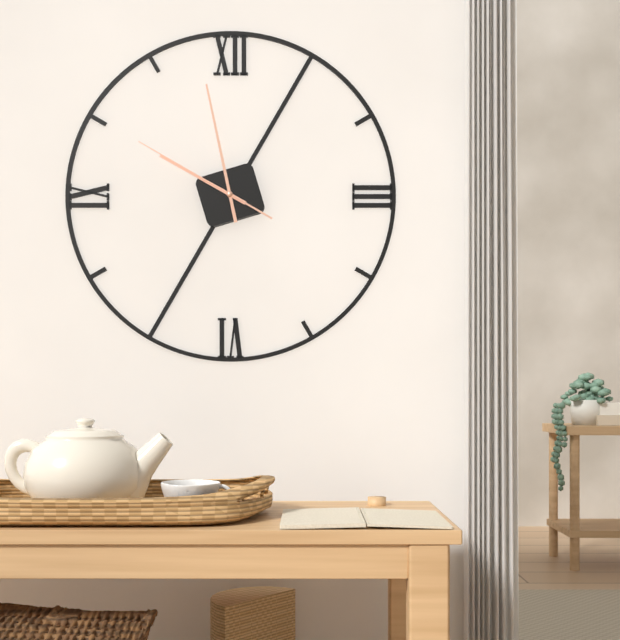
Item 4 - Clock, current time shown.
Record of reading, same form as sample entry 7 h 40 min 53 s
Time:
9 h 58 min 50 s
